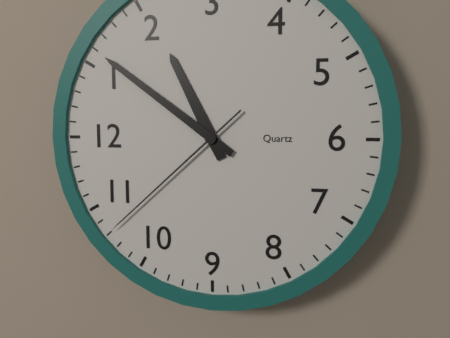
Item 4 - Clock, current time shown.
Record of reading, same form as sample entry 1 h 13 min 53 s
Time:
2 h 06 min 53 s
